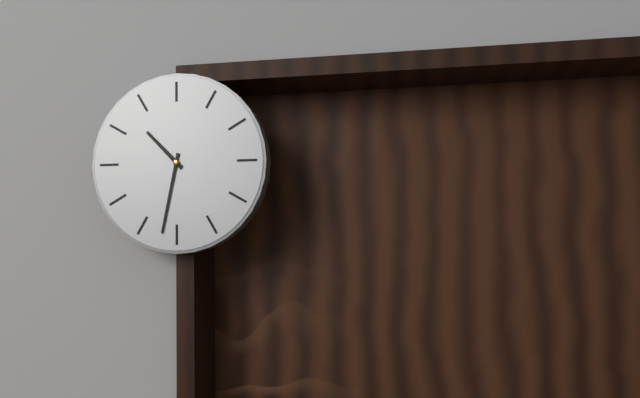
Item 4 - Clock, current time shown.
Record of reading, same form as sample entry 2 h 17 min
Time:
10 h 32 min
